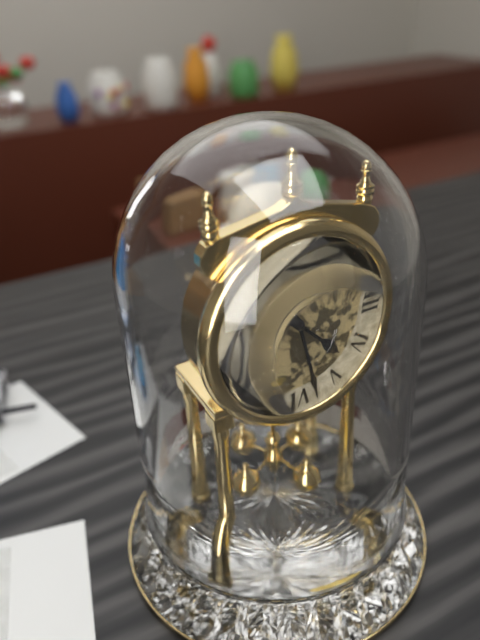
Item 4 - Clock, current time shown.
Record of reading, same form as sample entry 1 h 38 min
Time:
4 h 28 min
